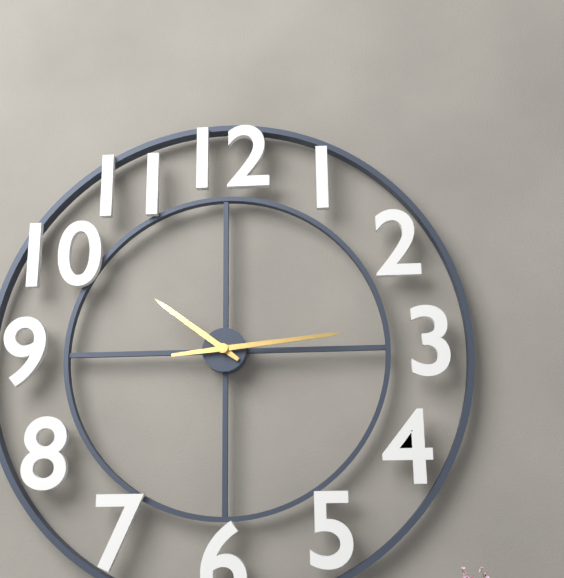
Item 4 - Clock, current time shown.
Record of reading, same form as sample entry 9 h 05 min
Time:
10 h 14 min
